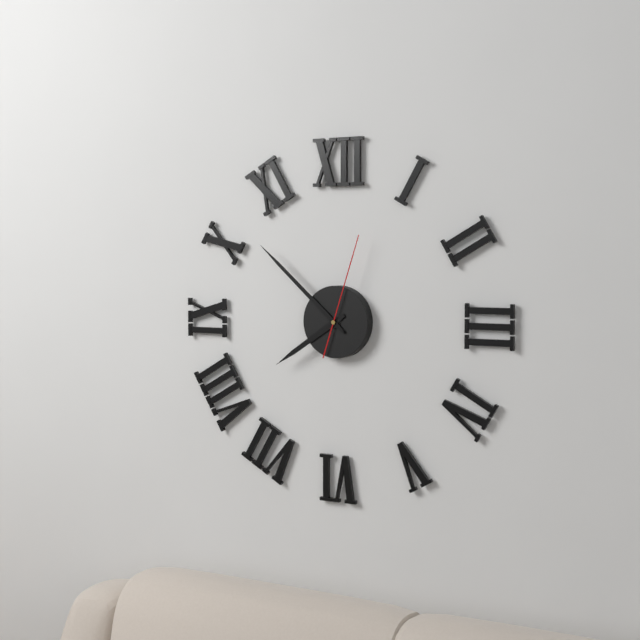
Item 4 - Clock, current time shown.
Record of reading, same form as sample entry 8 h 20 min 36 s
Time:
7 h 52 min 03 s
